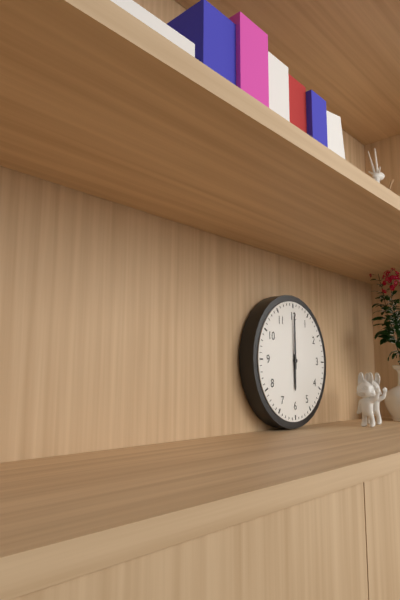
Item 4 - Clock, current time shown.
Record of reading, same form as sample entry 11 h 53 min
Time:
6 h 00 min
